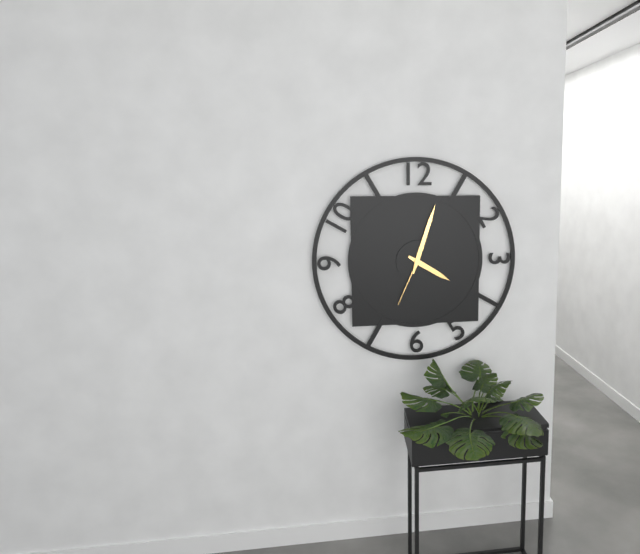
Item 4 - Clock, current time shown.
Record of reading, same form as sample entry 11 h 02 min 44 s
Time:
4 h 03 min 34 s
